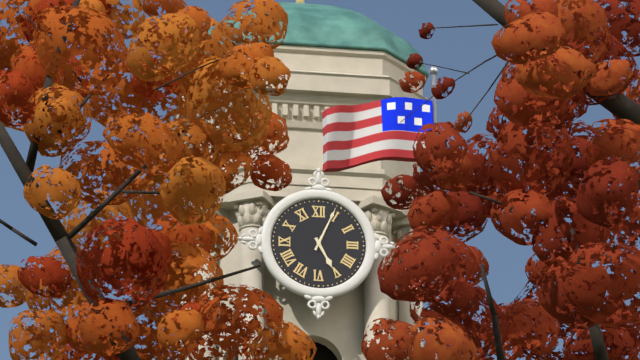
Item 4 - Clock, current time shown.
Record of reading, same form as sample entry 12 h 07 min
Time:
5 h 04 min
